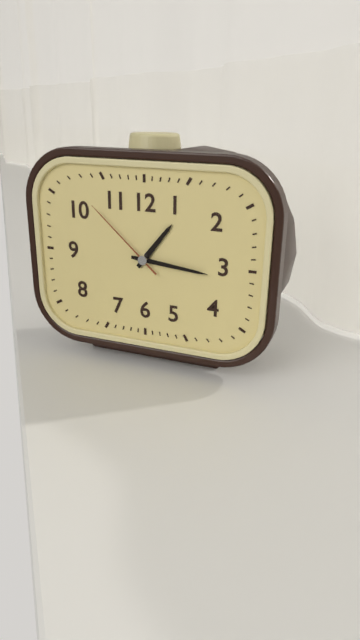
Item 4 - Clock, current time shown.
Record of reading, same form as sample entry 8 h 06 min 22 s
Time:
1 h 16 min 52 s
